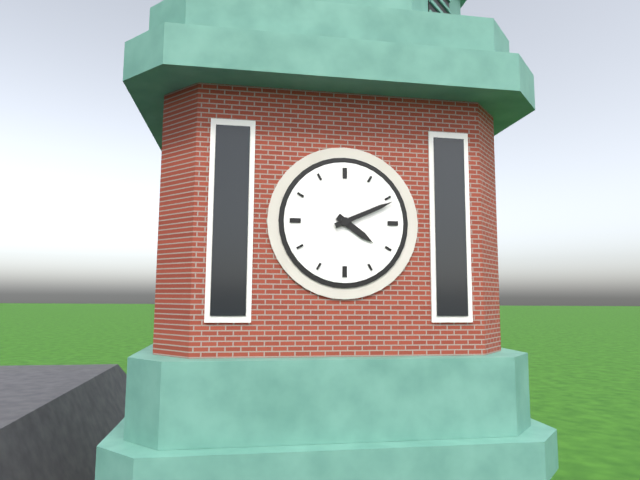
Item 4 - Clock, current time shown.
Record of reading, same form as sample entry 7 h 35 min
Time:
4 h 11 min
